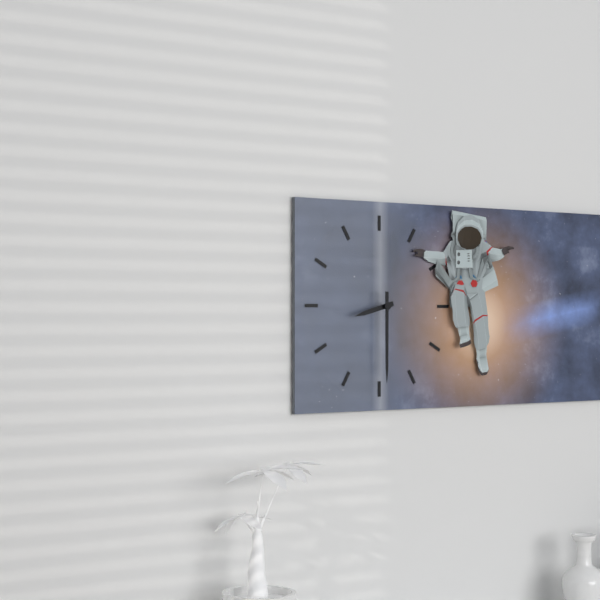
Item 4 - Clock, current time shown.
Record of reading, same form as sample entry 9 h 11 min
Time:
8 h 30 min
